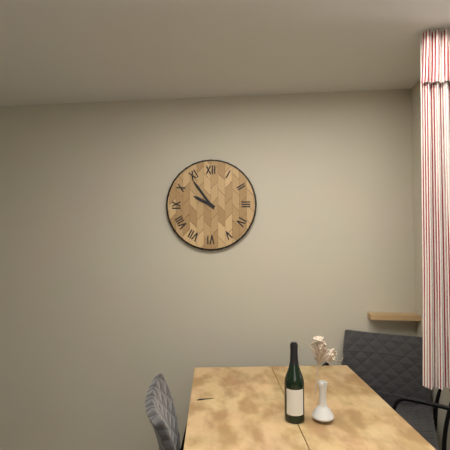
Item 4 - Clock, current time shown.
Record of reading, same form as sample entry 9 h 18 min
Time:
9 h 54 min
